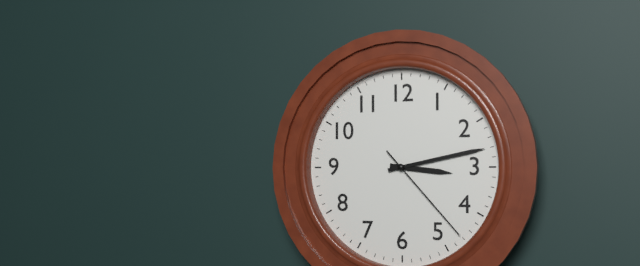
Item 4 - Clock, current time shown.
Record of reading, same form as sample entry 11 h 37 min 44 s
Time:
3 h 13 min 23 s
